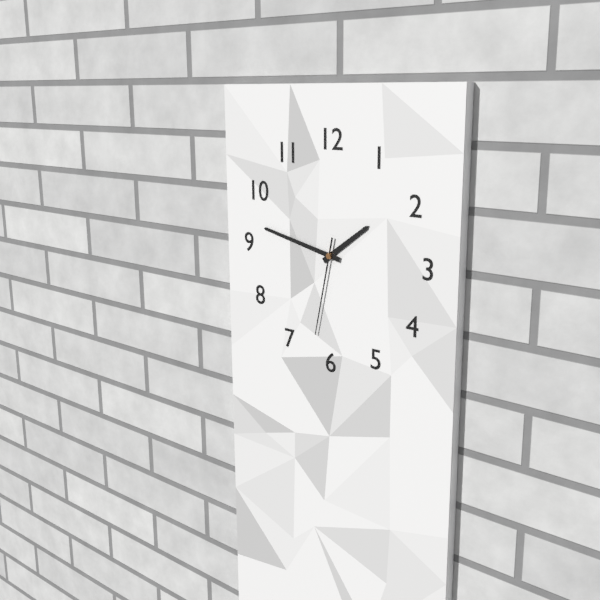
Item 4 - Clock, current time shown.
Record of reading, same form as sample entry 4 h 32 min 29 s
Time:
1 h 47 min 32 s
